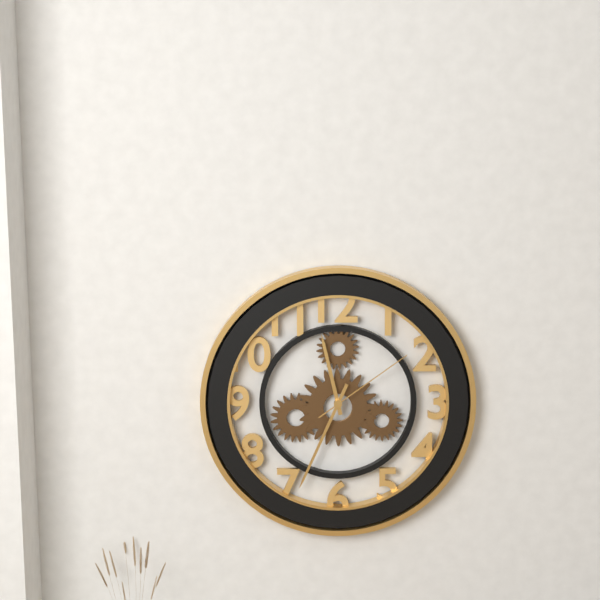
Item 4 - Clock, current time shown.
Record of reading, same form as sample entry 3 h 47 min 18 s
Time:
11 h 34 min 09 s
